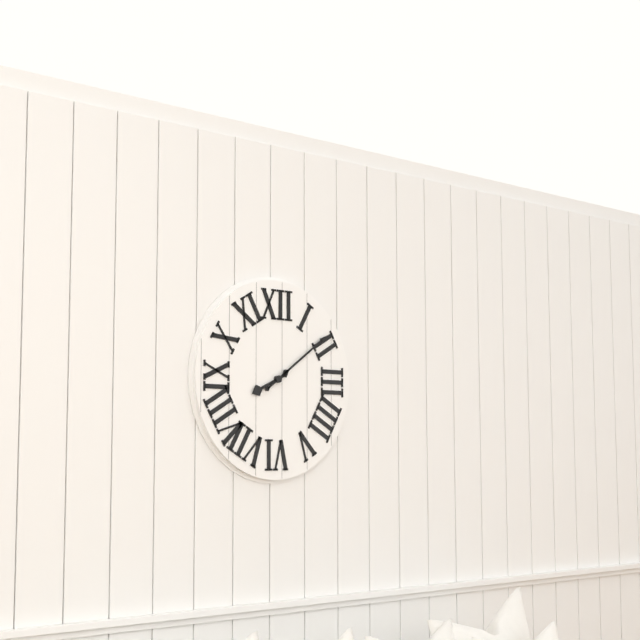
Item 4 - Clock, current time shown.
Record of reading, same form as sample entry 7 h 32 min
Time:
8 h 09 min
